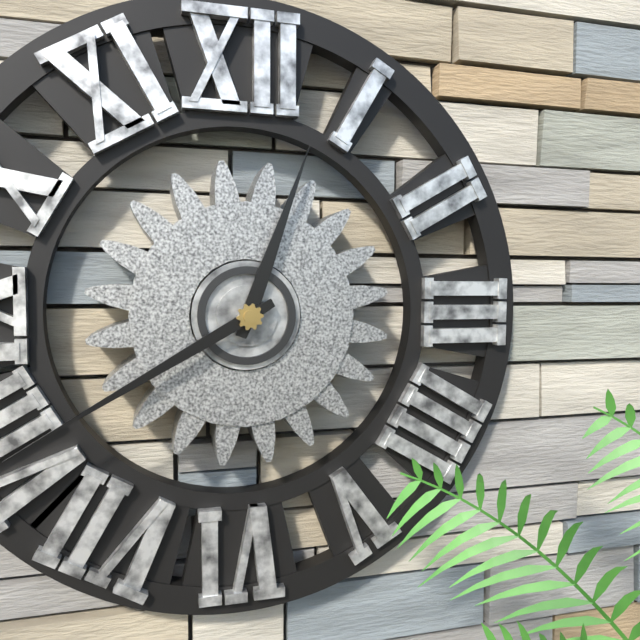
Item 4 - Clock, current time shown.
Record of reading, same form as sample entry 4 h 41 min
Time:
12 h 40 min
